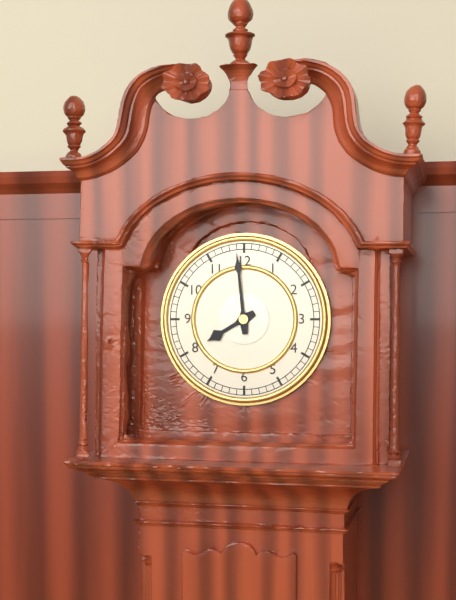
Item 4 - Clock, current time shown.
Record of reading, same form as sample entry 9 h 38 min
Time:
7 h 59 min
